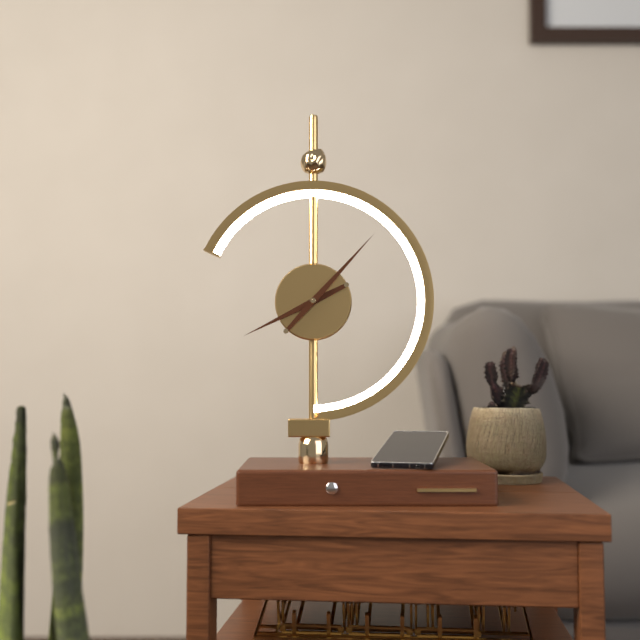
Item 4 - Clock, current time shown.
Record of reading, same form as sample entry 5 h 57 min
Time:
8 h 07 min
